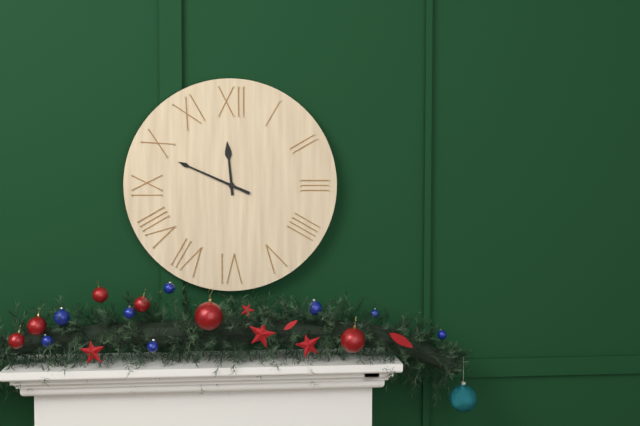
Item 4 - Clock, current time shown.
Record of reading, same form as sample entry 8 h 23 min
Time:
11 h 49 min
